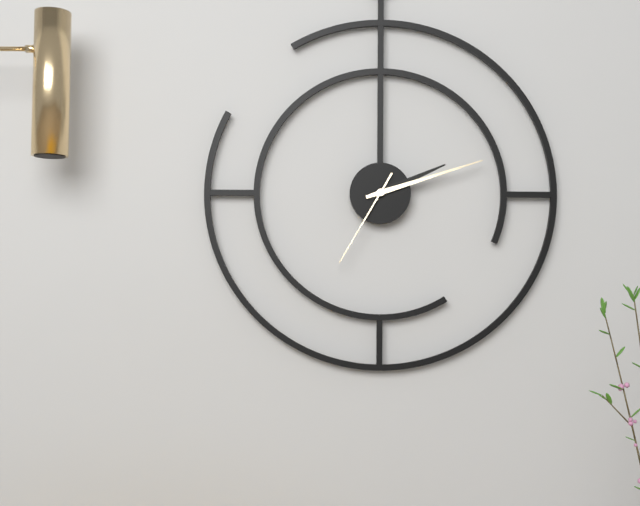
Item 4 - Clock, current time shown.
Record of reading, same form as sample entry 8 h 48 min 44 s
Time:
2 h 12 min 35 s
